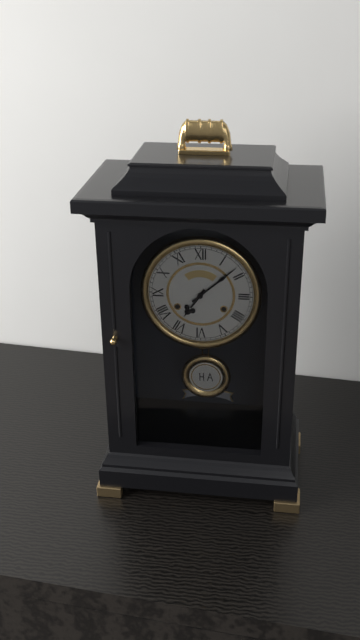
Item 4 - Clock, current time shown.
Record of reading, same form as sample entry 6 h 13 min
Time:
7 h 08 min
